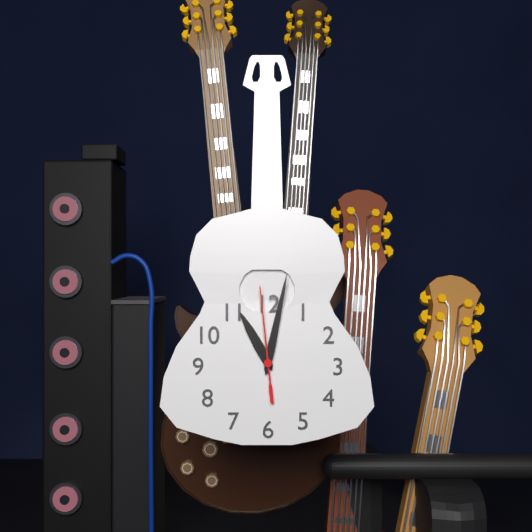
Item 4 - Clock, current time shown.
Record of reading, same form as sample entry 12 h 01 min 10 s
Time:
11 h 02 min 59 s
